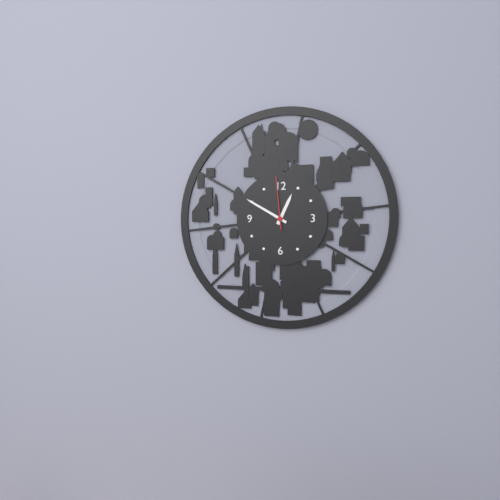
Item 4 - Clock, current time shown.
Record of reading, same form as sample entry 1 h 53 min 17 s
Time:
12 h 50 min 59 s
